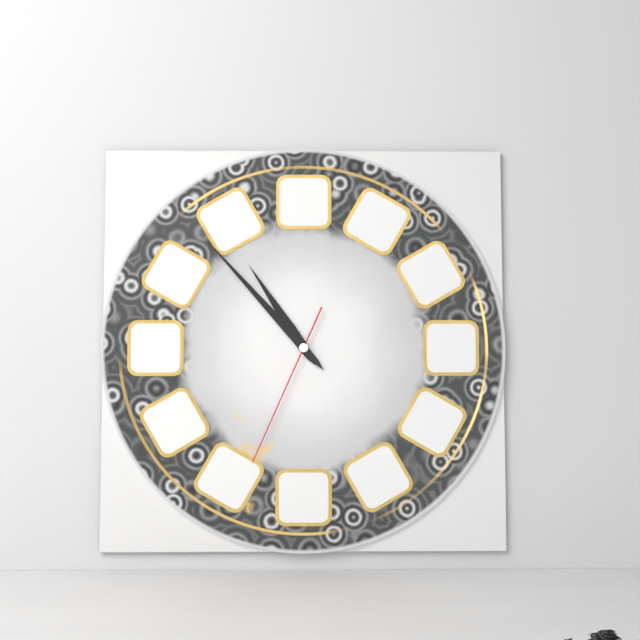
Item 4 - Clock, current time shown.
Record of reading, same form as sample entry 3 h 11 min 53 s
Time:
10 h 53 min 34 s
